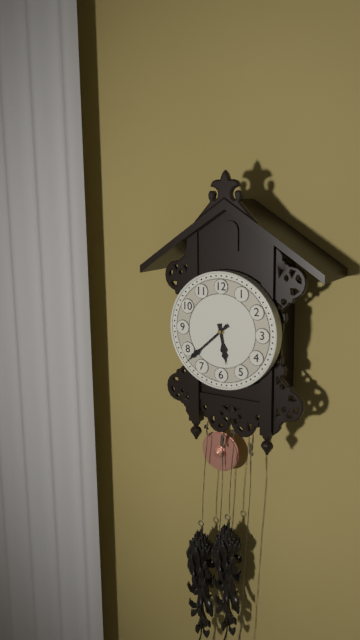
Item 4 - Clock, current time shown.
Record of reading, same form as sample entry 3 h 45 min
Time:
5 h 38 min
